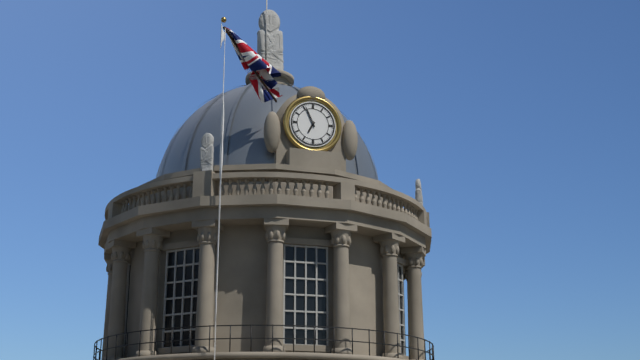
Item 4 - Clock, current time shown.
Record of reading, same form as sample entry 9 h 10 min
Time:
6 h 56 min
